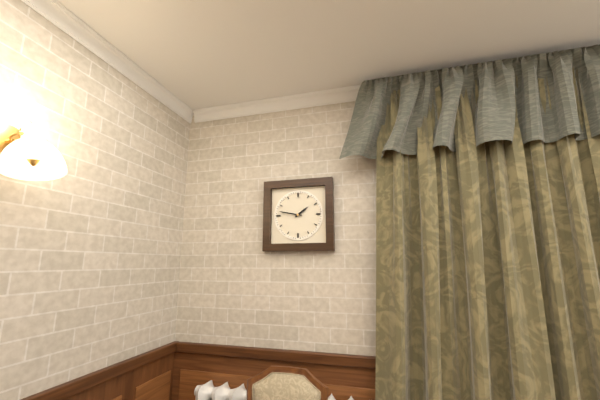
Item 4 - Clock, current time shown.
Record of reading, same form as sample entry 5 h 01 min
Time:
1 h 47 min
